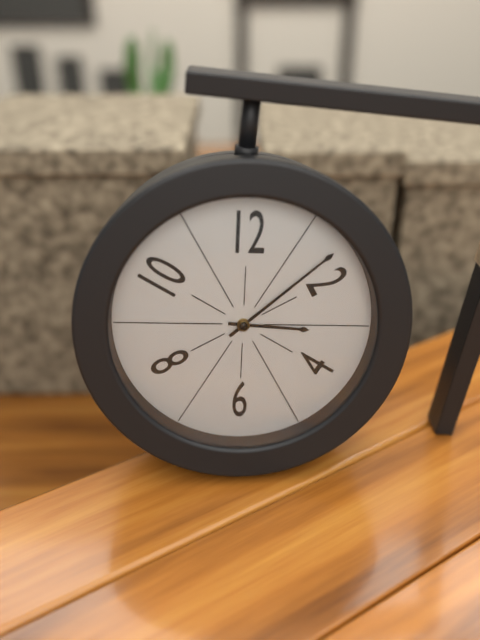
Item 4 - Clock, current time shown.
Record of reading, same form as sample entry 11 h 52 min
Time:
3 h 08 min
